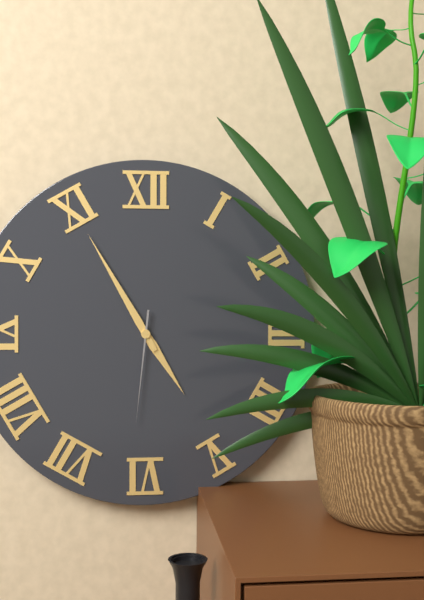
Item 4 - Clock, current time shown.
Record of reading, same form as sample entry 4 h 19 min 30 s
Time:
4 h 55 min 31 s
